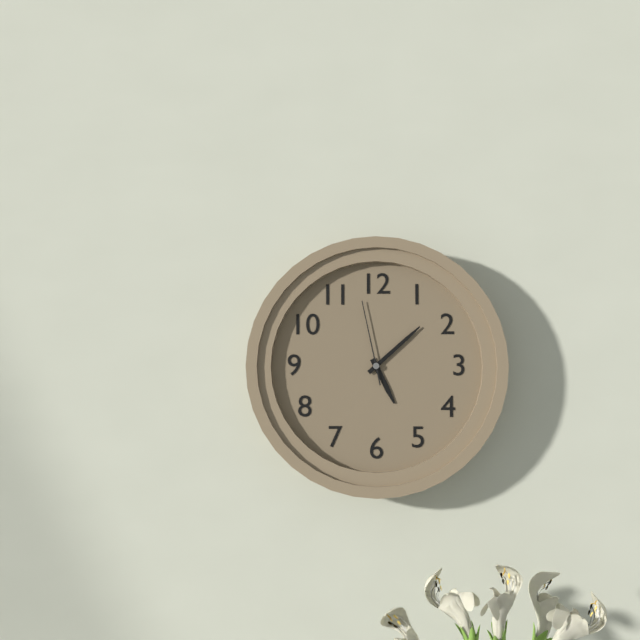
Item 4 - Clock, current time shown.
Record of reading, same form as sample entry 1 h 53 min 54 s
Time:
5 h 08 min 58 s
